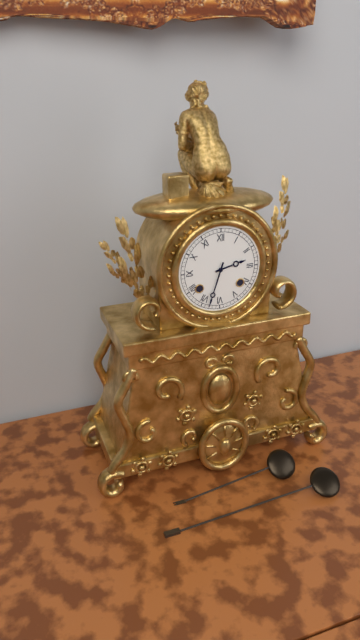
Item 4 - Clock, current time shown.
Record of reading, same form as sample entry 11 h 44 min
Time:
2 h 33 min
